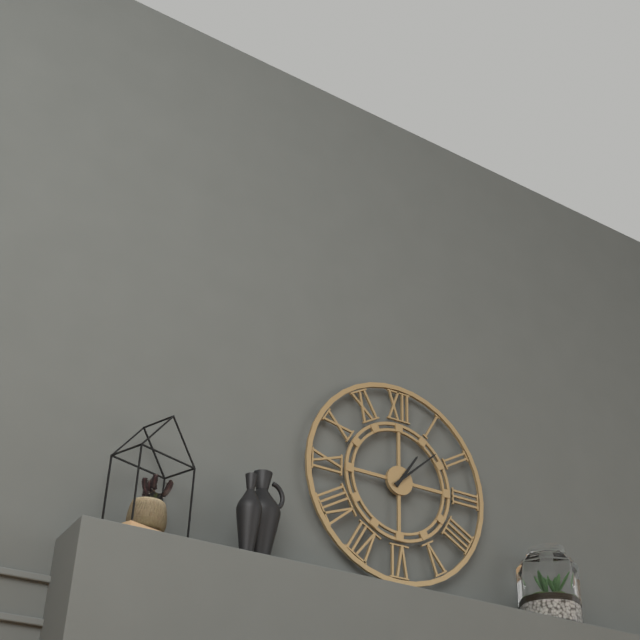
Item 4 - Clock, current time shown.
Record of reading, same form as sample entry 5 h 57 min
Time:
1 h 08 min
